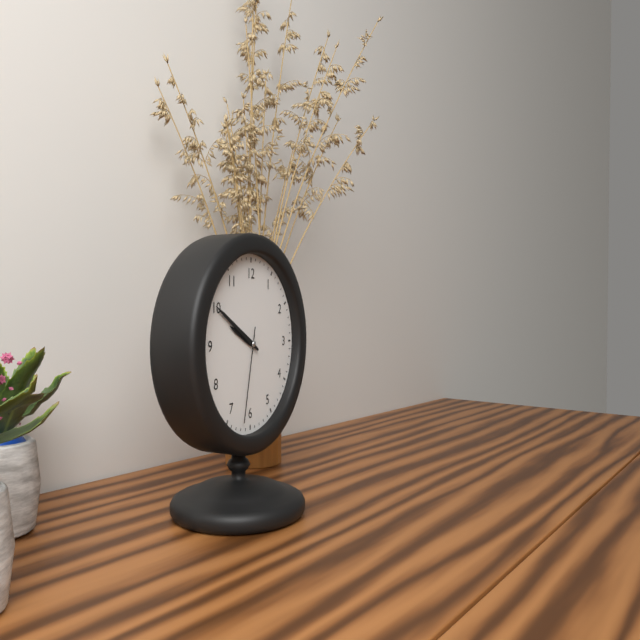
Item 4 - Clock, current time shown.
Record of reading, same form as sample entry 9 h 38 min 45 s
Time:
9 h 50 min 32 s
